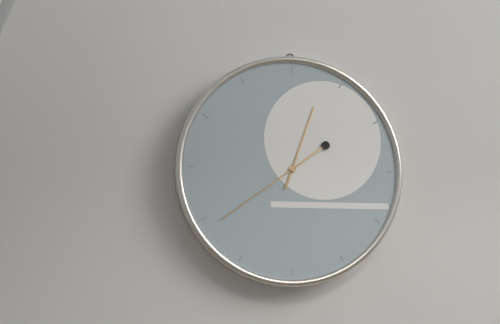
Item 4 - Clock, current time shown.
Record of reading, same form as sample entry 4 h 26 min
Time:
12 h 39 min
